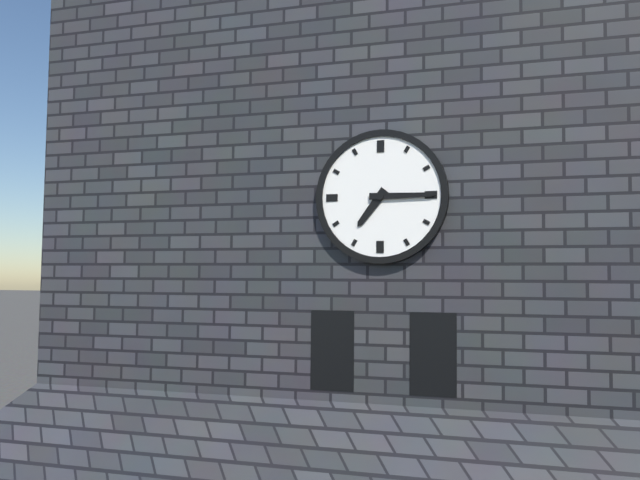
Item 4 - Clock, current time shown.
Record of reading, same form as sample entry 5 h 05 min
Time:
7 h 15 min
